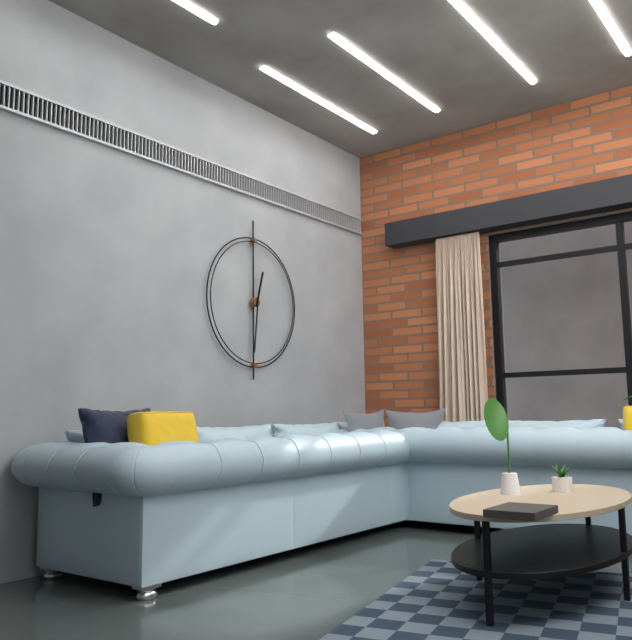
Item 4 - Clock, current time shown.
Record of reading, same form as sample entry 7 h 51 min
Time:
12 h 31 min
